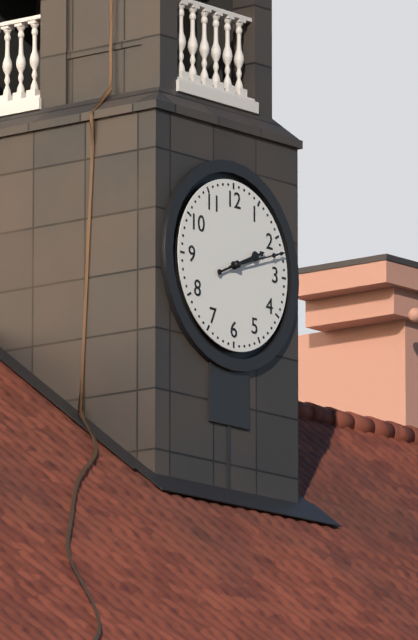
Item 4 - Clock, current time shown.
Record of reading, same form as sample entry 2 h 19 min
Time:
2 h 12 min
